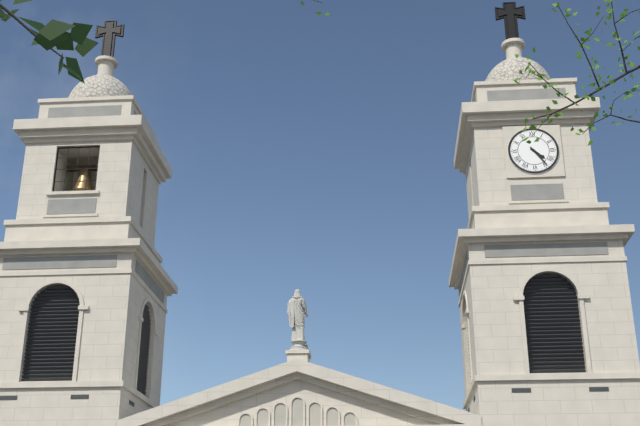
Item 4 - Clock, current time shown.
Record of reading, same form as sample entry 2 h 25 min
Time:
4 h 24 min
